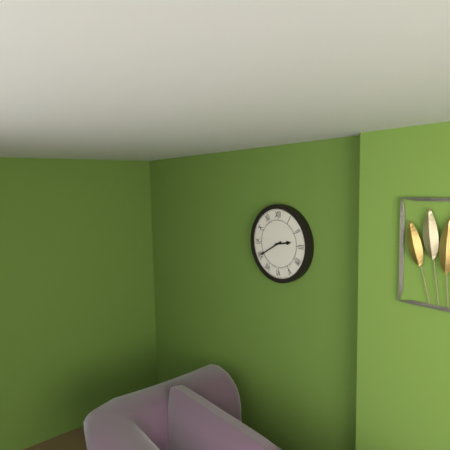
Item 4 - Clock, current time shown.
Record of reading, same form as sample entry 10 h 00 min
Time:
2 h 40 min
